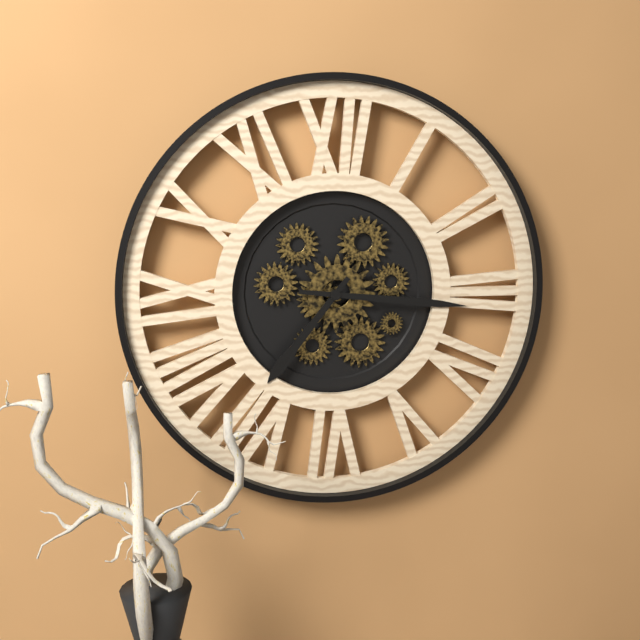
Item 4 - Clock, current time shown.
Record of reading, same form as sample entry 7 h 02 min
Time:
7 h 16 min
